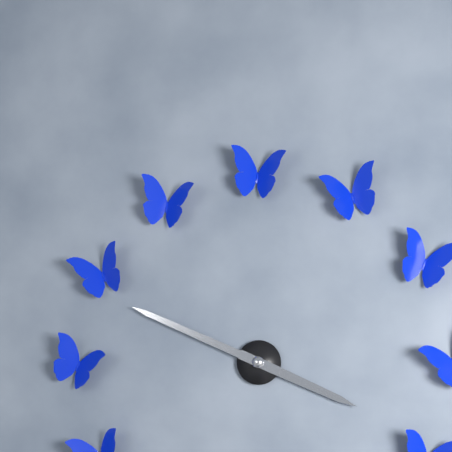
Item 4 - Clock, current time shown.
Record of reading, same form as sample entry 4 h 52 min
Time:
3 h 49 min
